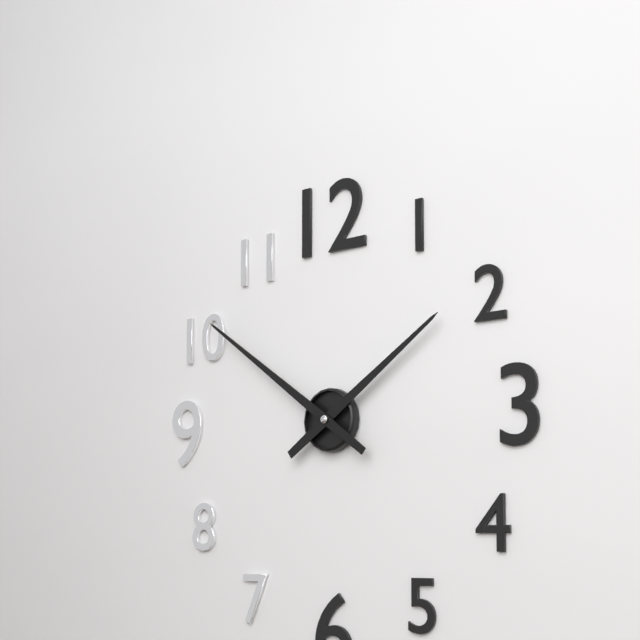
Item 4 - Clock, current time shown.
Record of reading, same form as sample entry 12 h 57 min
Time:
1 h 51 min
